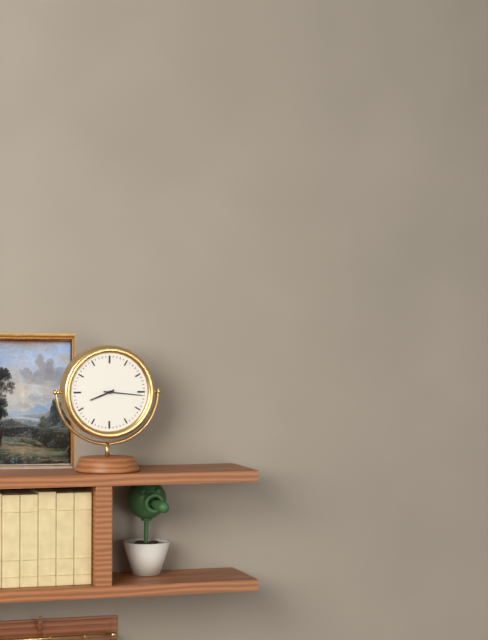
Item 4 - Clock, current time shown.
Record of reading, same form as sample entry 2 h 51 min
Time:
8 h 16 min
